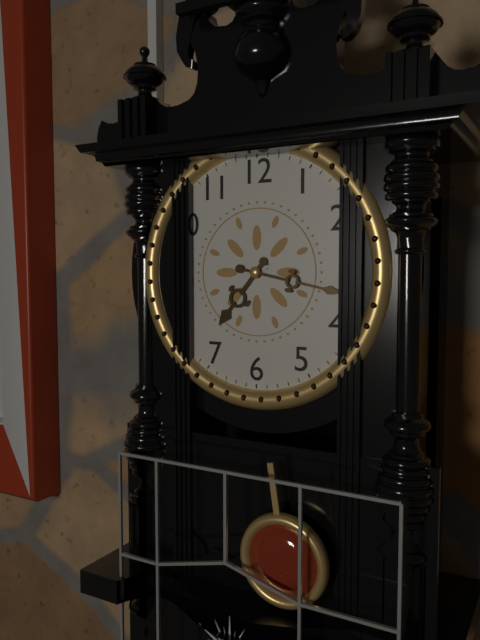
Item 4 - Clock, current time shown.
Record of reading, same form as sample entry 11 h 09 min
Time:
7 h 17 min
